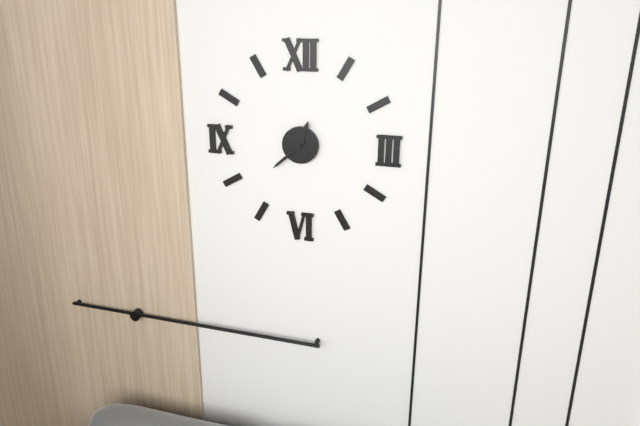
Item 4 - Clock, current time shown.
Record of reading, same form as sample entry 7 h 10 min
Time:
12 h 38 min
